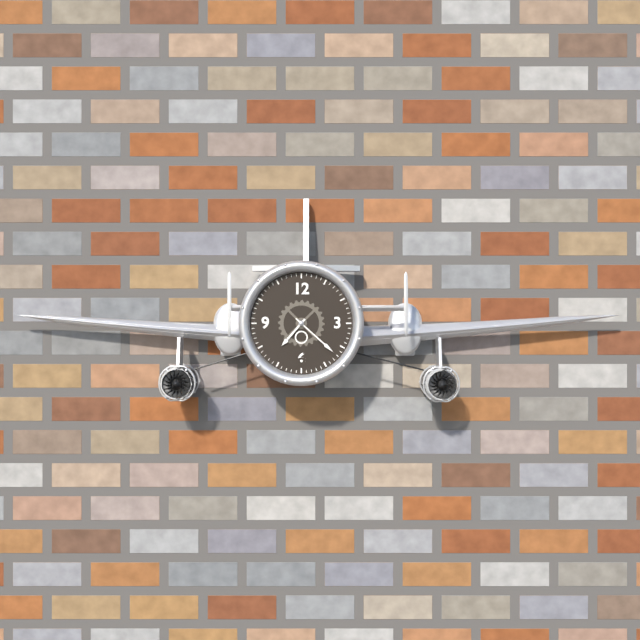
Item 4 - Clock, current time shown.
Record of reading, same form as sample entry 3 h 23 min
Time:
7 h 22 min
